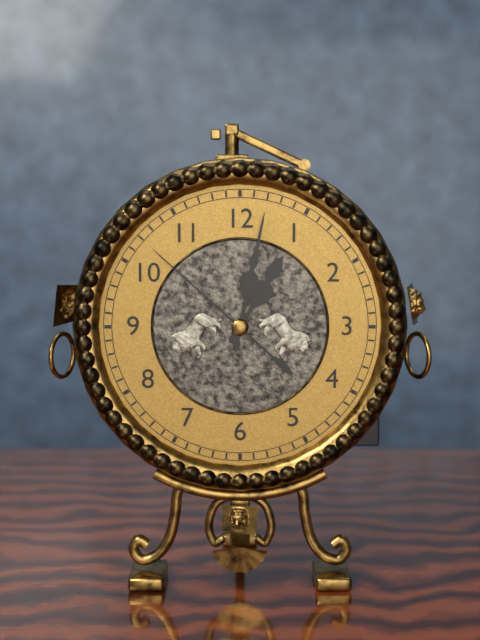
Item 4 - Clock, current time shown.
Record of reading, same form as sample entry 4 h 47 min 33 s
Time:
1 h 02 min 52 s
